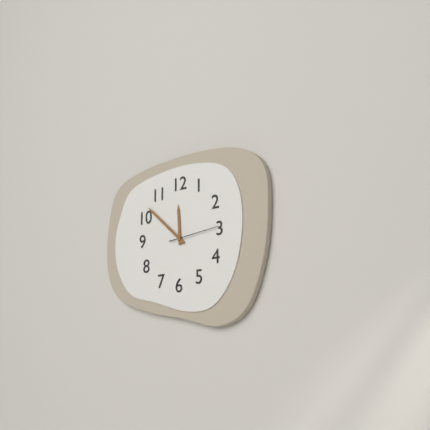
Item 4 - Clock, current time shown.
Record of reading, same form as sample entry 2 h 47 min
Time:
11 h 52 min
